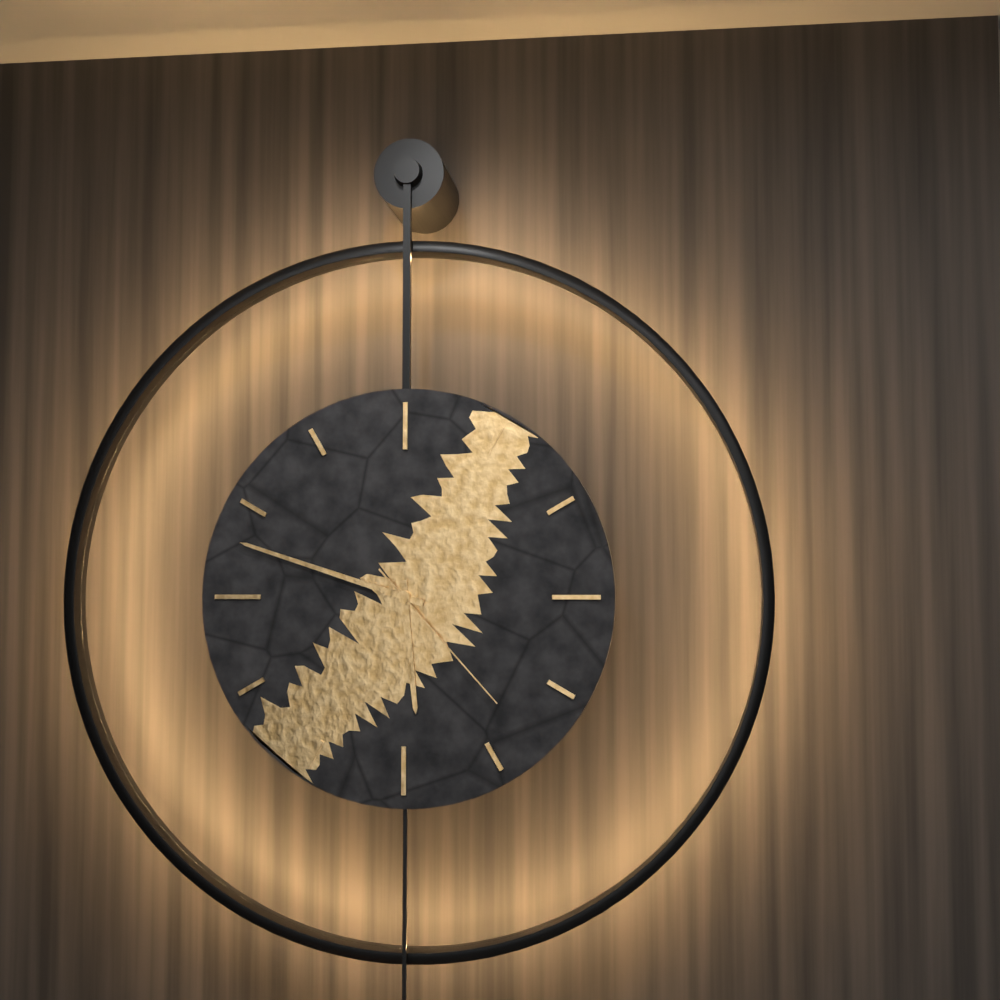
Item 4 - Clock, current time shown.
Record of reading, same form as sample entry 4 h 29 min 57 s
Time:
5 h 48 min 23 s
